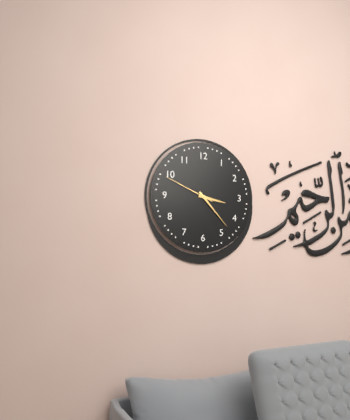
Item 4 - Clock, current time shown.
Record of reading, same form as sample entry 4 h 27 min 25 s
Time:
3 h 23 min 49 s
